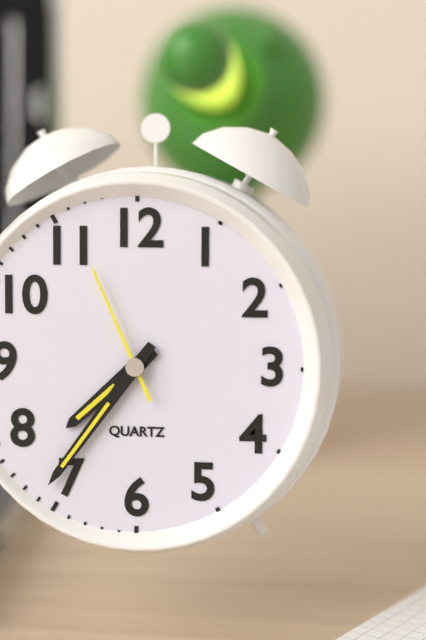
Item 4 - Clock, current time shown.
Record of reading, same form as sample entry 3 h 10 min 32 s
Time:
7 h 36 min 56 s
